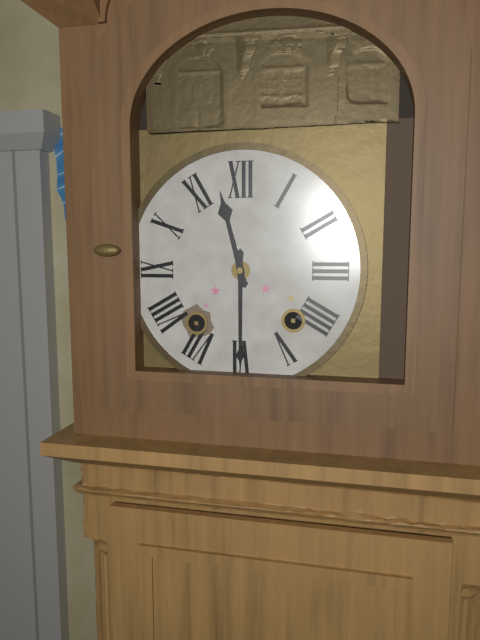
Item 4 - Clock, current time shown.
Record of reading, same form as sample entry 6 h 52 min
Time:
11 h 30 min
